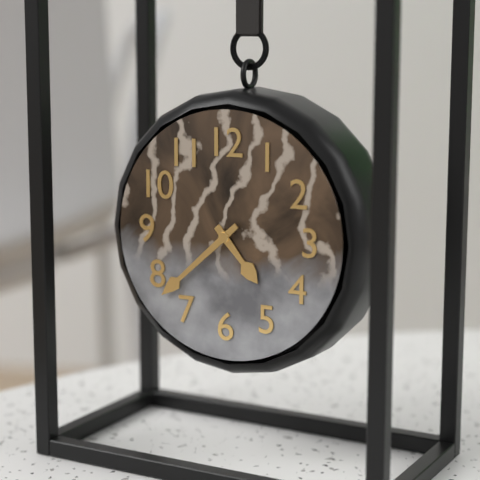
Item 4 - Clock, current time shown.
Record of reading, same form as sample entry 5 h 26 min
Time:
4 h 38 min
